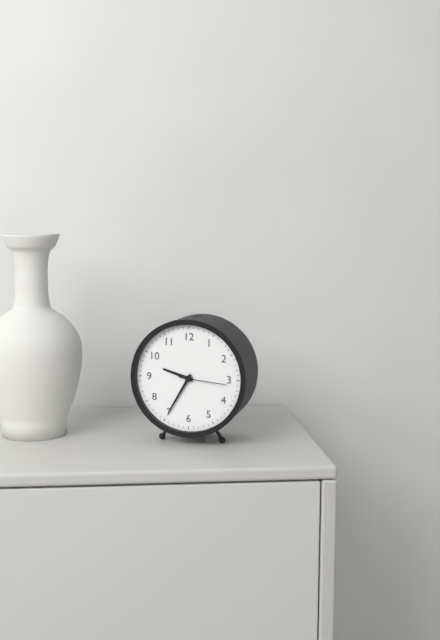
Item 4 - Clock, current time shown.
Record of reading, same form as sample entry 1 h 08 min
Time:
9 h 35 min
